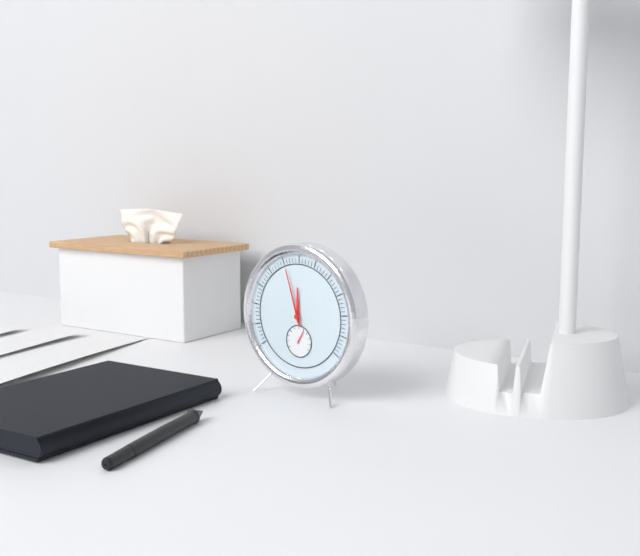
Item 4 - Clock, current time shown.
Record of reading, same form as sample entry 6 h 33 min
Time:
11 h 57 min
